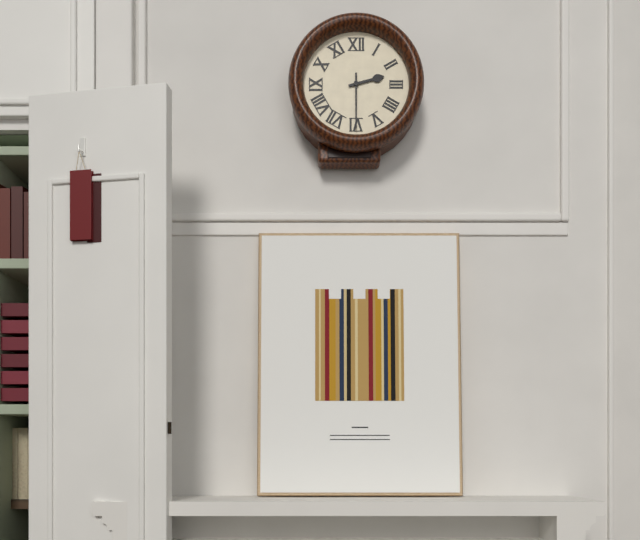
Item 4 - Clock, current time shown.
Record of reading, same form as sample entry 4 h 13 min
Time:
2 h 30 min
